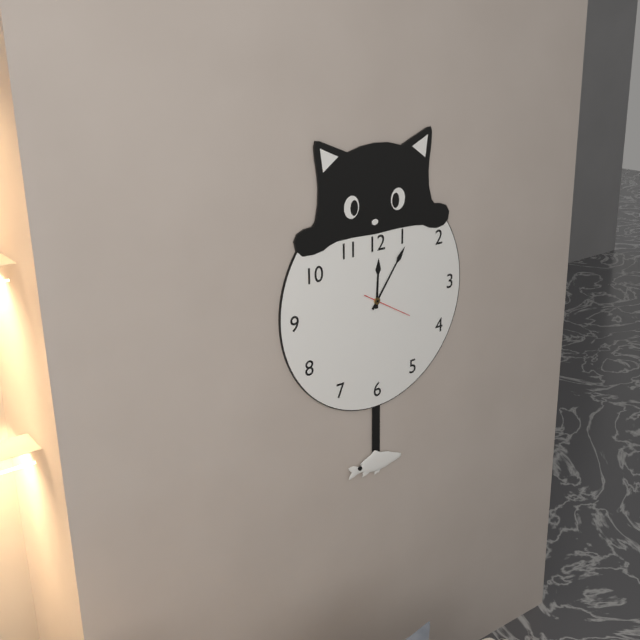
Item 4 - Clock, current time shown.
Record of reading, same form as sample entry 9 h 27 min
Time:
12 h 06 min
